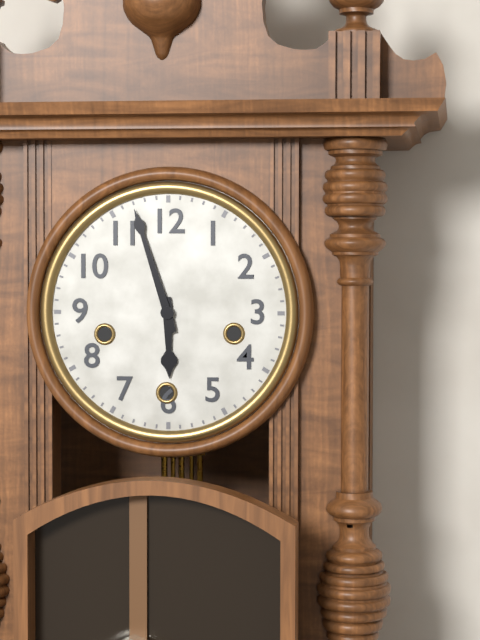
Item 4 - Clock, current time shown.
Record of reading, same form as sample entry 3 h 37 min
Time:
5 h 57 min
